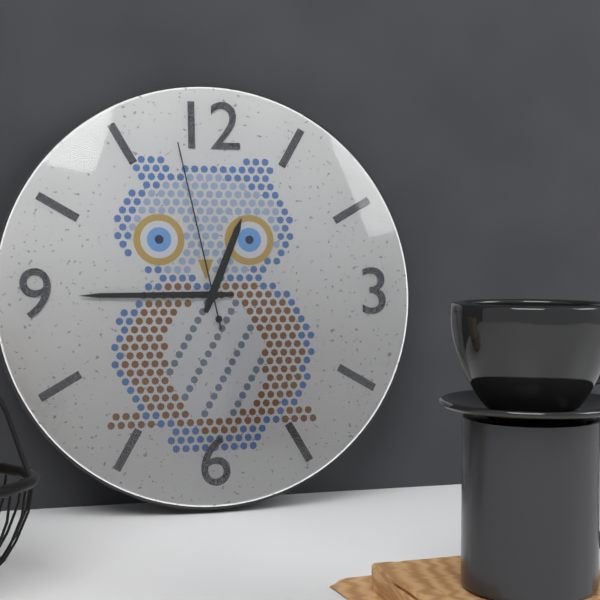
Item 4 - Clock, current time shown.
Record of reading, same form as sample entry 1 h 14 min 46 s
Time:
12 h 45 min 58 s
